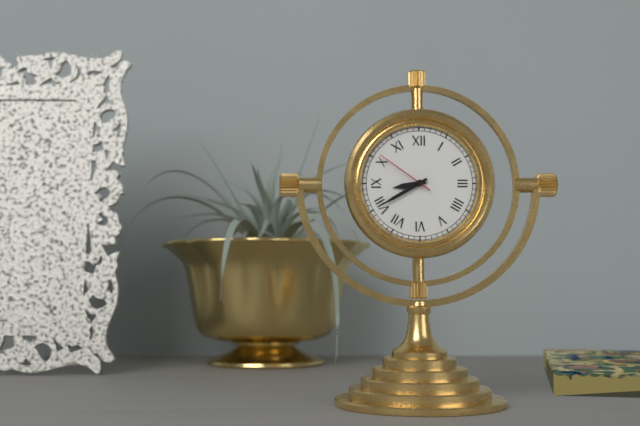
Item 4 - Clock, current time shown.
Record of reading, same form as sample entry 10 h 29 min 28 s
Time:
8 h 40 min 51 s
